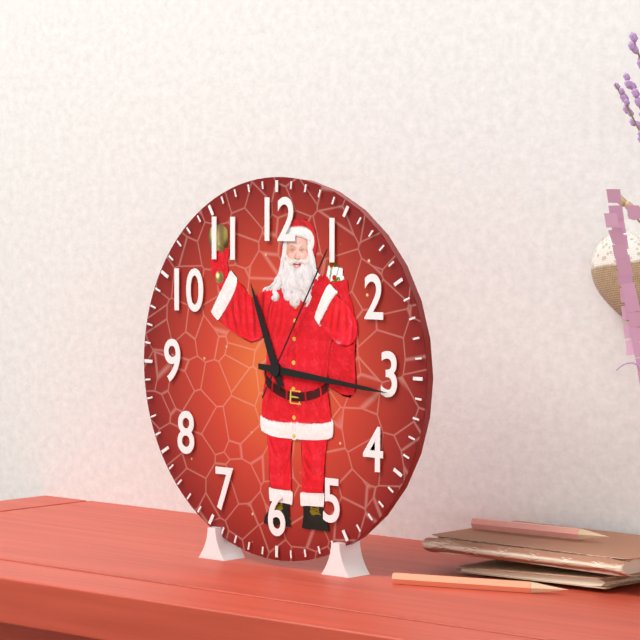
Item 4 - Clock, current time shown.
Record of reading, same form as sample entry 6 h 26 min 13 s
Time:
11 h 16 min 05 s
